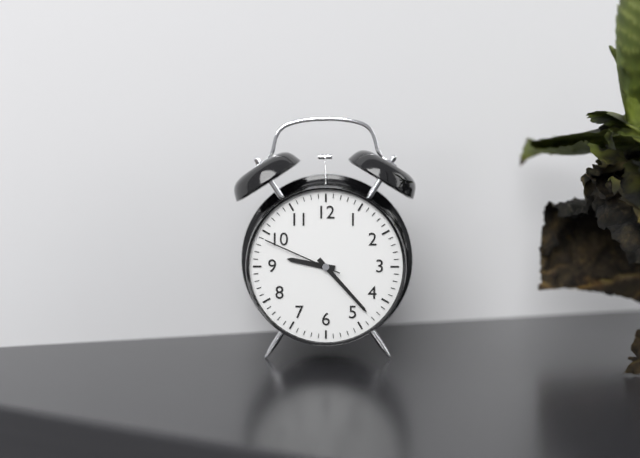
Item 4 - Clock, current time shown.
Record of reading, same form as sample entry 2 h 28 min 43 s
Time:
9 h 23 min 49 s
